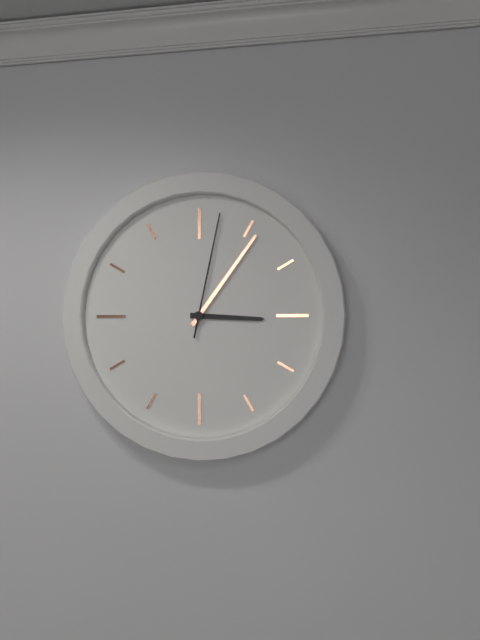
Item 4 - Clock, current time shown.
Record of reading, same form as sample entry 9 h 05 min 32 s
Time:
3 h 06 min 02 s
